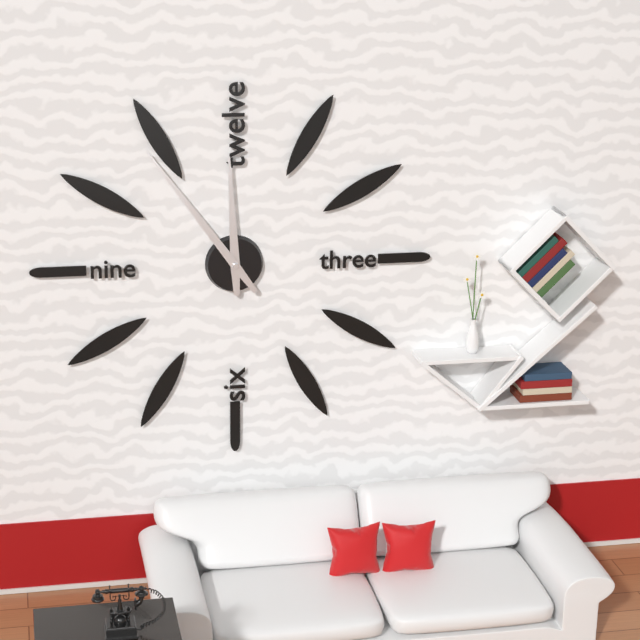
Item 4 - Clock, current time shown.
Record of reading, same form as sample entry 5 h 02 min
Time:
11 h 54 min
